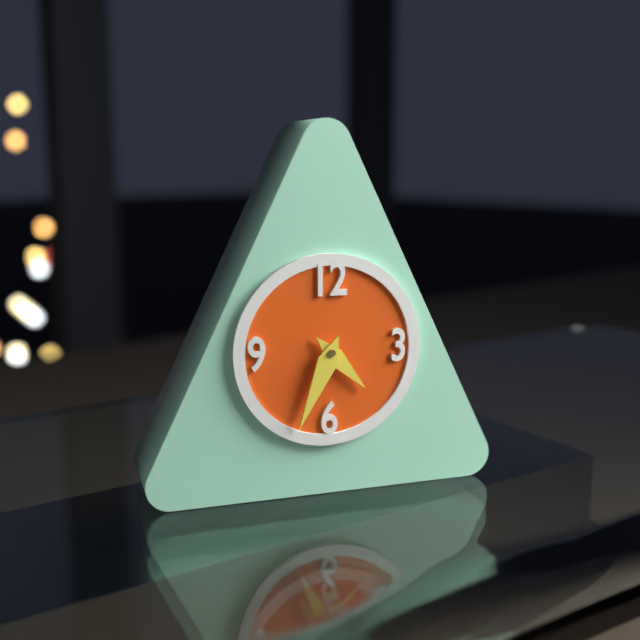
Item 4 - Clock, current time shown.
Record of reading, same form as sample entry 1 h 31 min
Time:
4 h 34 min
